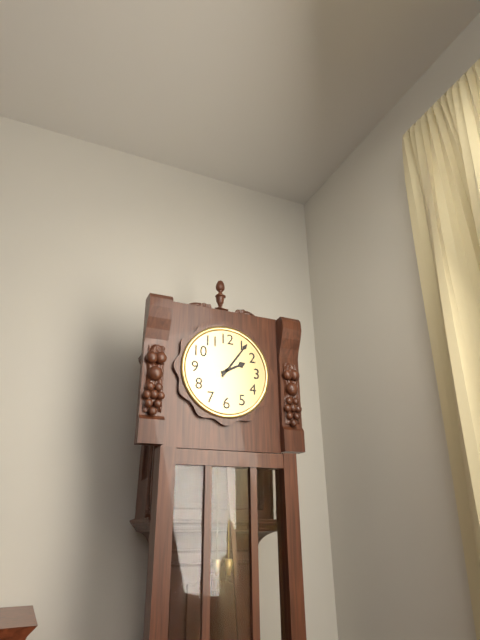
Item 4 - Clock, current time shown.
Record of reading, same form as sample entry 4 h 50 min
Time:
2 h 06 min
